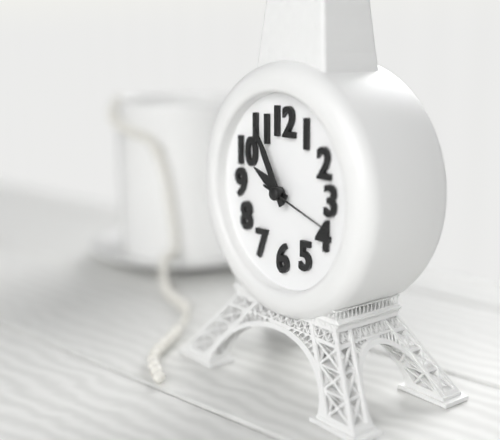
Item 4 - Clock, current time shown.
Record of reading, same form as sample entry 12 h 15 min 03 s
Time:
9 h 55 min 18 s
